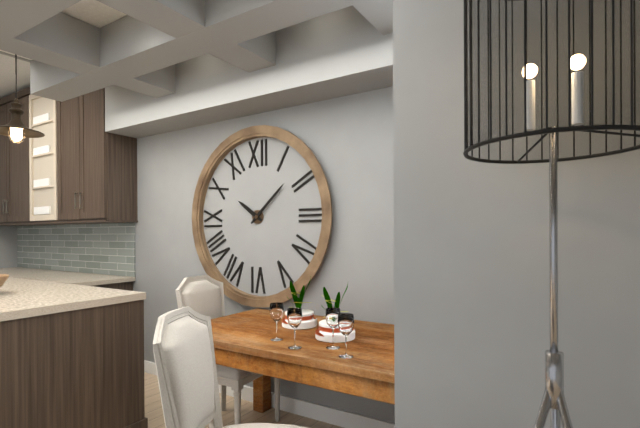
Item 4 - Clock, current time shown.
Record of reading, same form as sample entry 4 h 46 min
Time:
10 h 08 min
